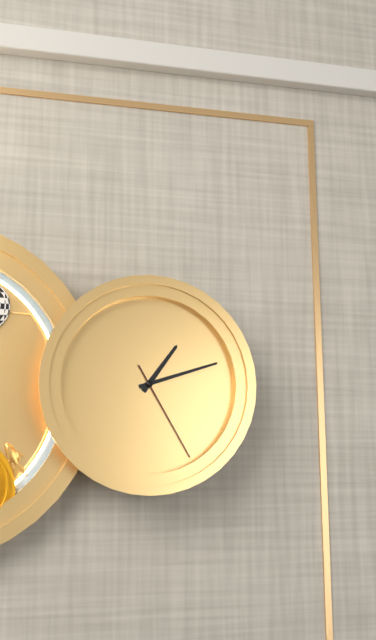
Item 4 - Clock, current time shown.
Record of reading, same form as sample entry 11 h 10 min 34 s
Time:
1 h 12 min 25 s
